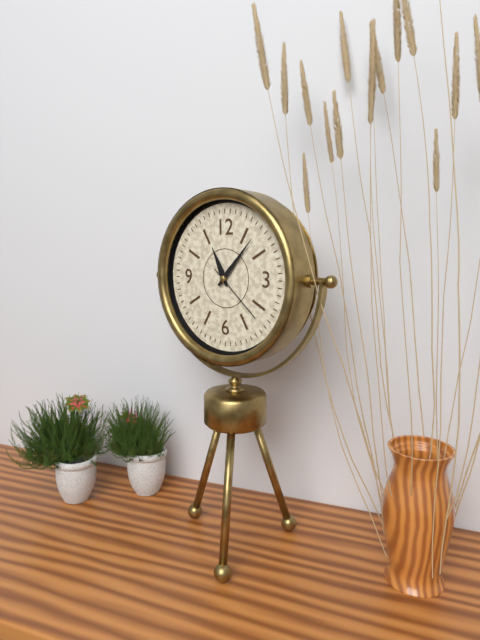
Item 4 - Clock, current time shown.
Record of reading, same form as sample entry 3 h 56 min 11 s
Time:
11 h 07 min 22 s
